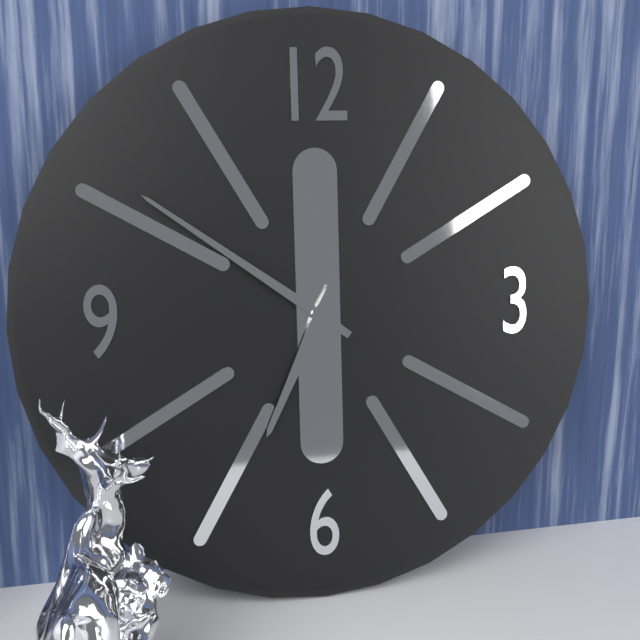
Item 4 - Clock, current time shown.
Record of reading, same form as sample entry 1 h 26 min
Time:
6 h 51 min
